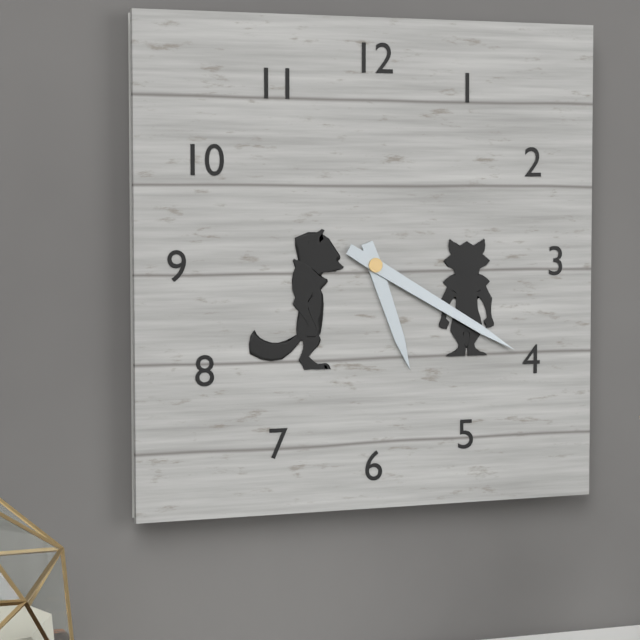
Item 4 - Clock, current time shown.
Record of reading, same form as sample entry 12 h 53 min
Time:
5 h 20 min
